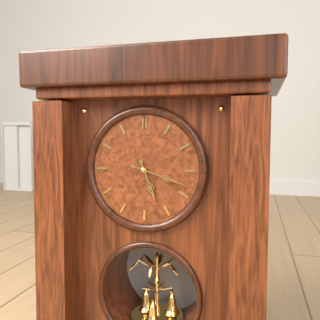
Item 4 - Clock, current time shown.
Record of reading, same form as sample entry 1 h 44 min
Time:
5 h 18 min
